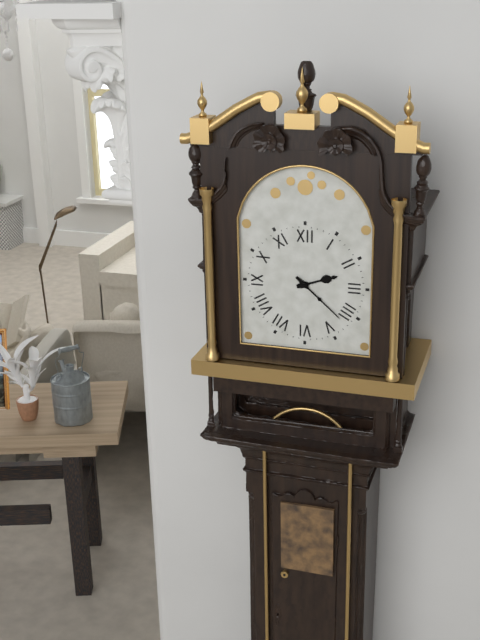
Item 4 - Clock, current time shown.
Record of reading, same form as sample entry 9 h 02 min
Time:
2 h 22 min
